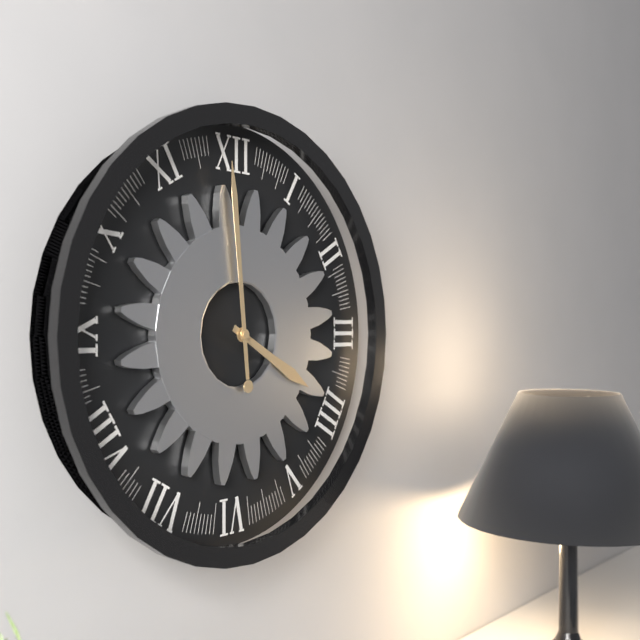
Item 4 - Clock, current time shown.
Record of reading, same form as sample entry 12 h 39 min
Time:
3 h 59 min
